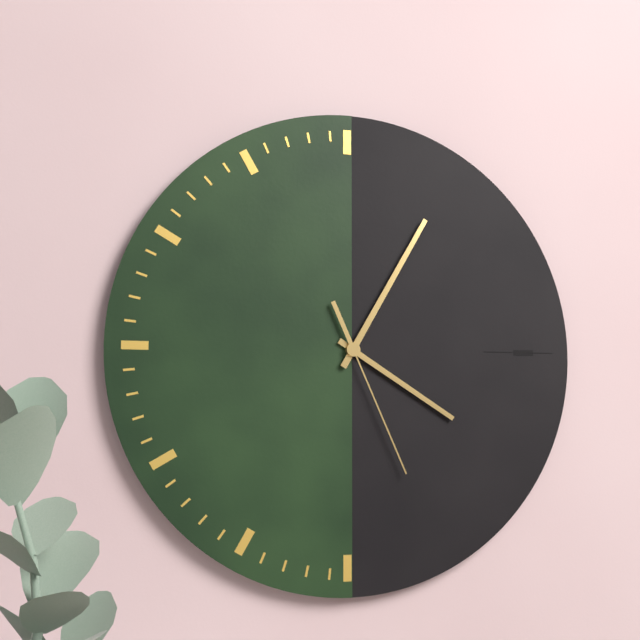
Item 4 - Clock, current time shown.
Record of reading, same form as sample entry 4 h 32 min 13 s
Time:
4 h 05 min 26 s
